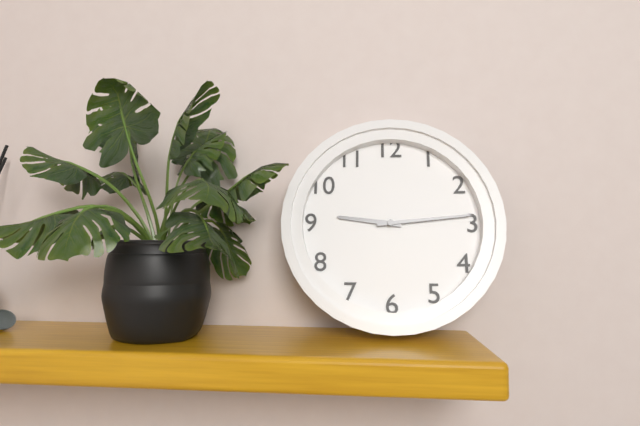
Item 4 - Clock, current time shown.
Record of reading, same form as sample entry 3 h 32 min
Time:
9 h 14 min
